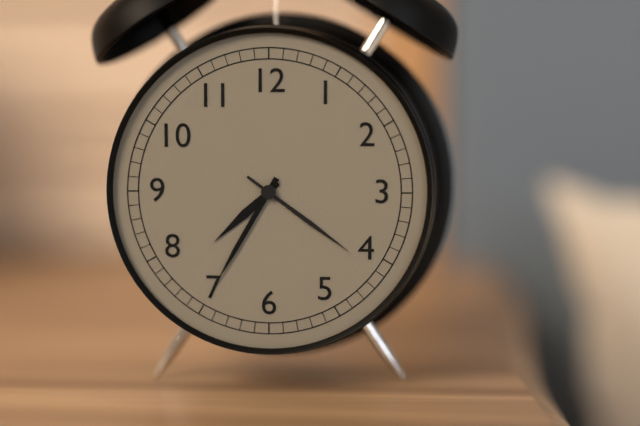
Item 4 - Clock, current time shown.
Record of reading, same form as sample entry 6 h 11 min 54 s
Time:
7 h 35 min 21 s
